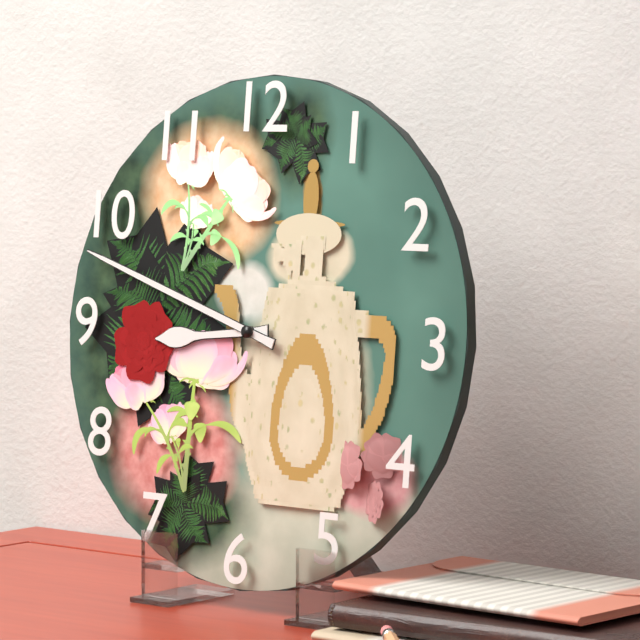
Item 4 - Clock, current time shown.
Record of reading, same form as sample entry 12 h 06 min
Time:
8 h 48 min
